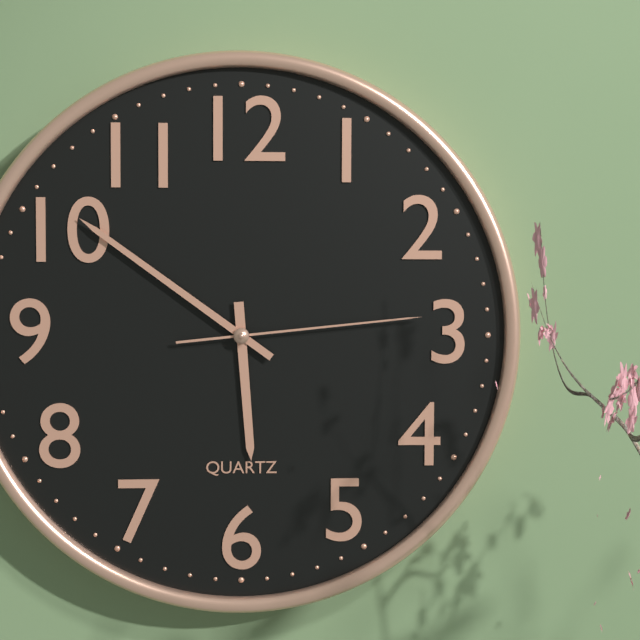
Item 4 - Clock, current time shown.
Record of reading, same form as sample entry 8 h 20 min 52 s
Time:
5 h 51 min 14 s
